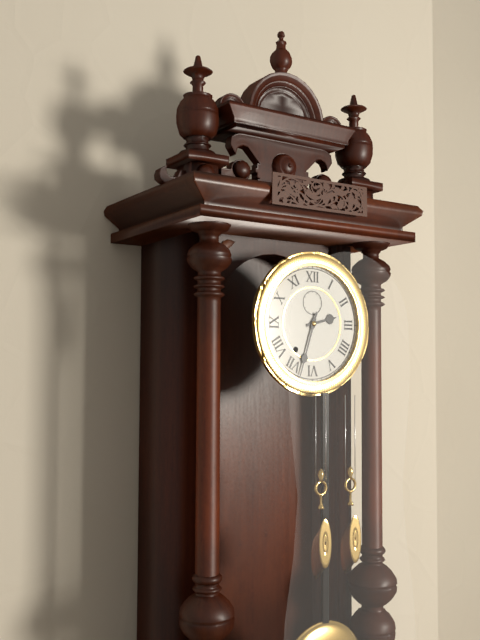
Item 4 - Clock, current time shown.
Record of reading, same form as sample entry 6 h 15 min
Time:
2 h 33 min
